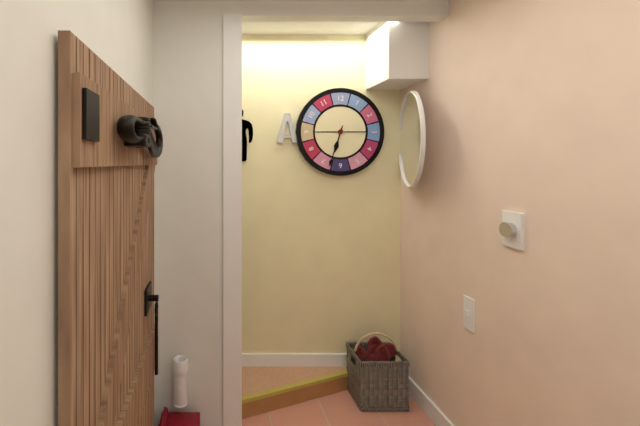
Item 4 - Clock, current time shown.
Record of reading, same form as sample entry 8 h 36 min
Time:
6 h 33 min
